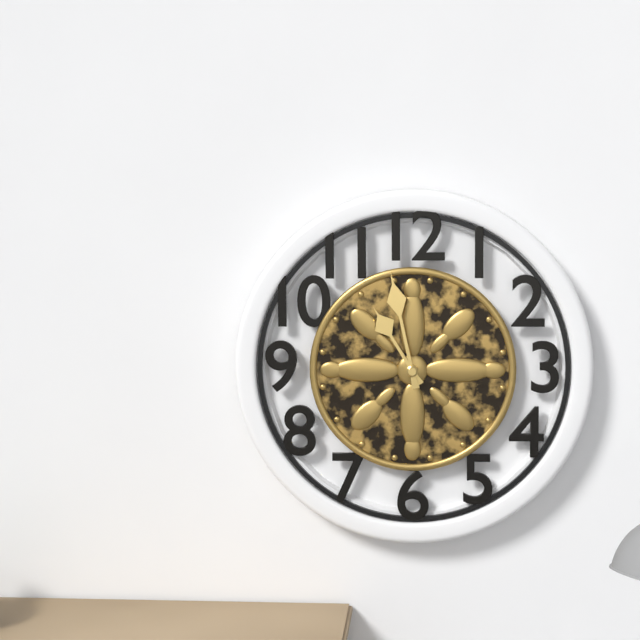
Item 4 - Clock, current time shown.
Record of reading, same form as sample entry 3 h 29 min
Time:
10 h 58 min
